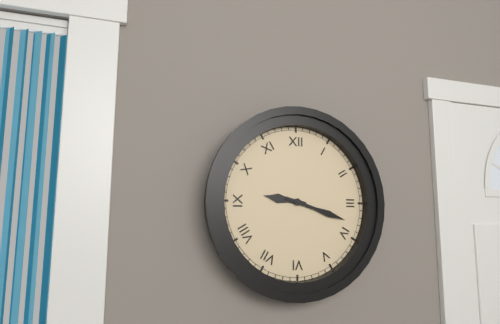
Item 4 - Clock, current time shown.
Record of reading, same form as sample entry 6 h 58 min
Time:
9 h 18 min
